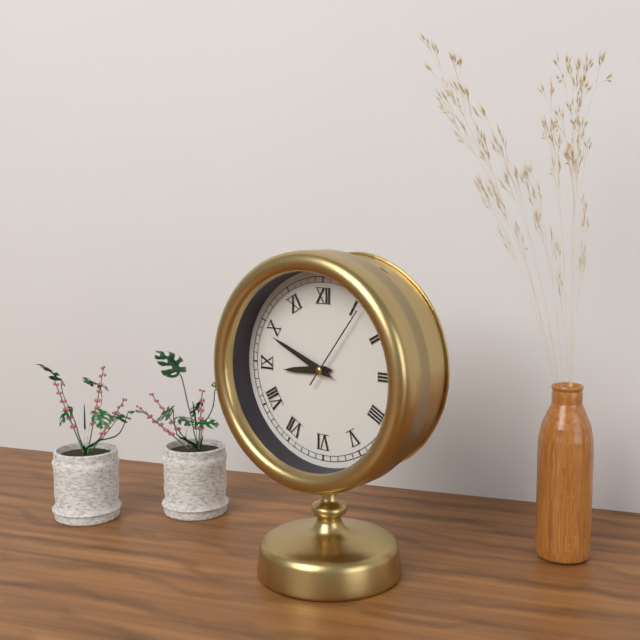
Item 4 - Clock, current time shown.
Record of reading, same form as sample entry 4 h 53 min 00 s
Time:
8 h 49 min 06 s
